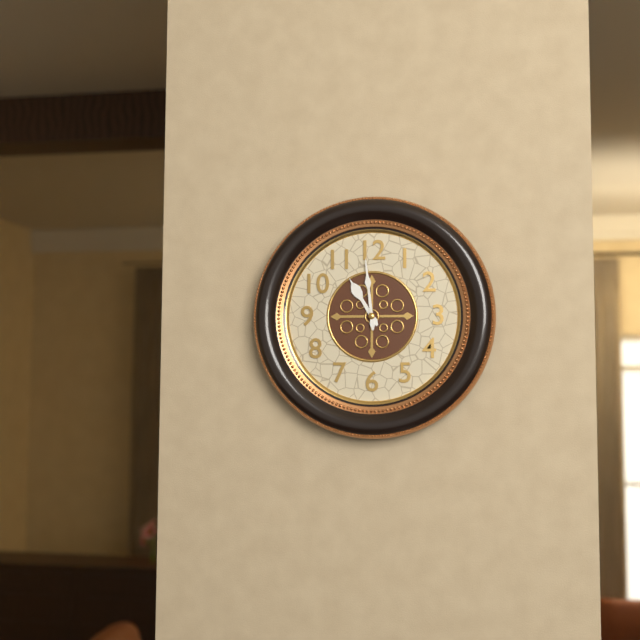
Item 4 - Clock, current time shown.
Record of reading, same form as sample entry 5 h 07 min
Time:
10 h 59 min
